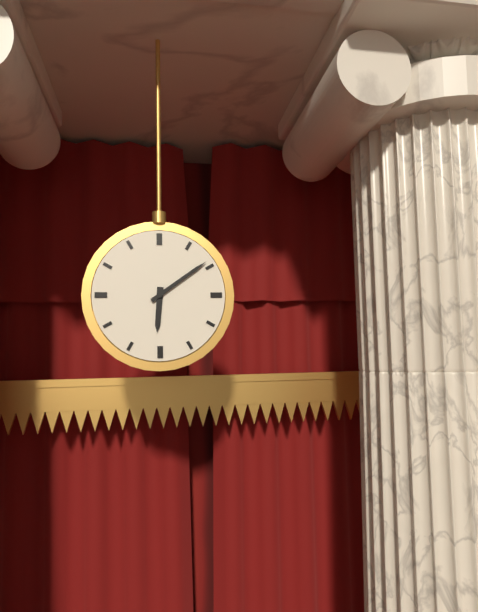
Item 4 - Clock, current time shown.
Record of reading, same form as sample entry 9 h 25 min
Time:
6 h 09 min
